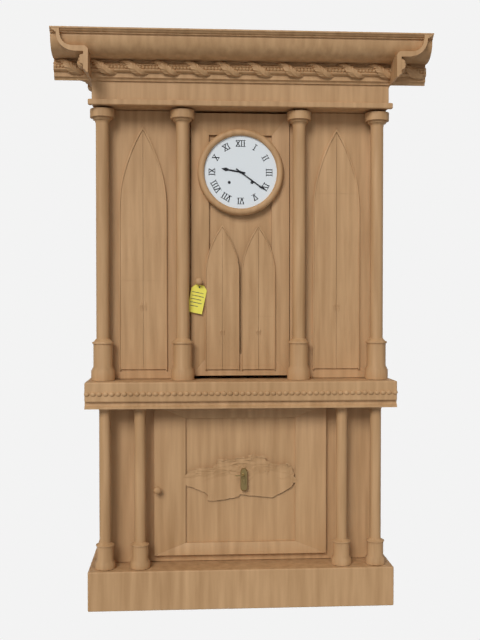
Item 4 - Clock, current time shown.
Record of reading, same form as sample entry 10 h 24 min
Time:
9 h 21 min
